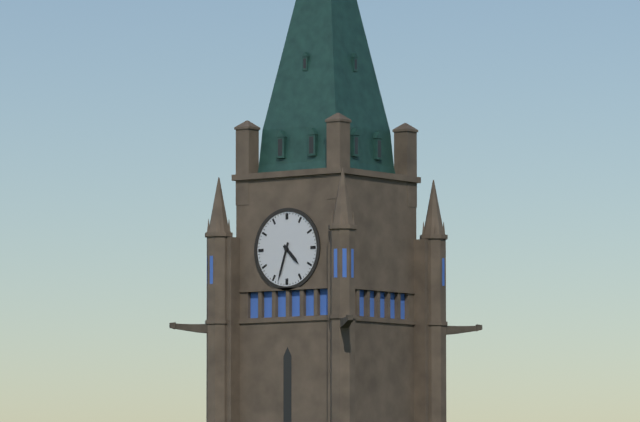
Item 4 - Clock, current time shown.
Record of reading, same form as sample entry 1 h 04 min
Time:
4 h 33 min
